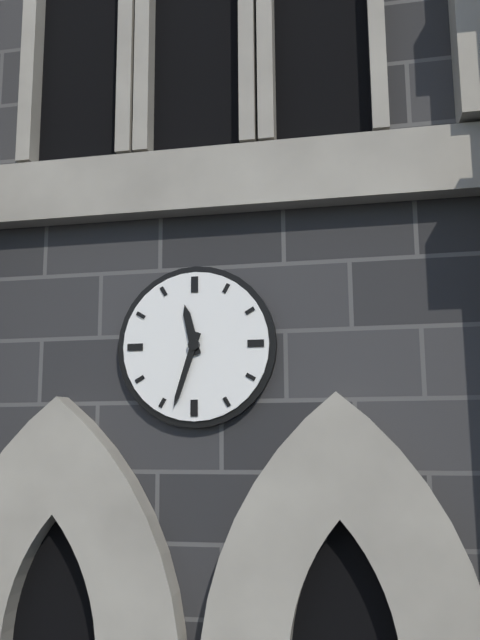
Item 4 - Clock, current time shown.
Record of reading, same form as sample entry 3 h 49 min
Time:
11 h 33 min
